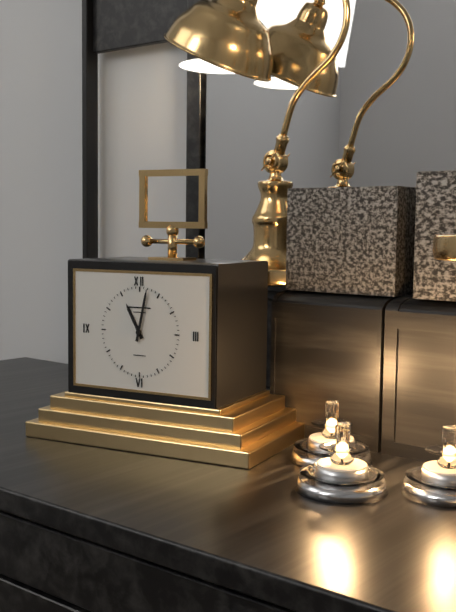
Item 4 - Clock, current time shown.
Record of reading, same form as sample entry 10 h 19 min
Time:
11 h 02 min
